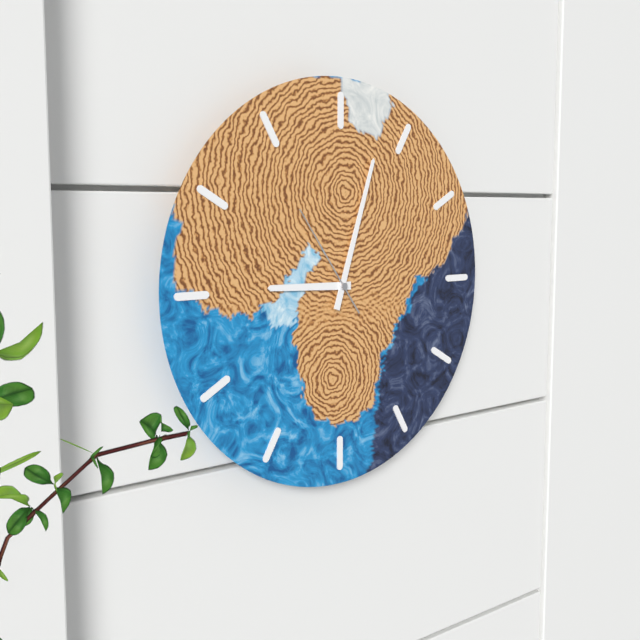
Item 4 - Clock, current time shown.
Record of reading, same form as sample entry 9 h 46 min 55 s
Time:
9 h 03 min 54 s
